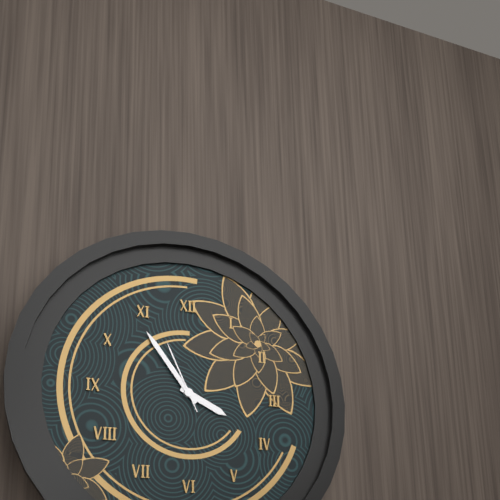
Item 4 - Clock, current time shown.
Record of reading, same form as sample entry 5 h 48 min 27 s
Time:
3 h 54 min 56 s
